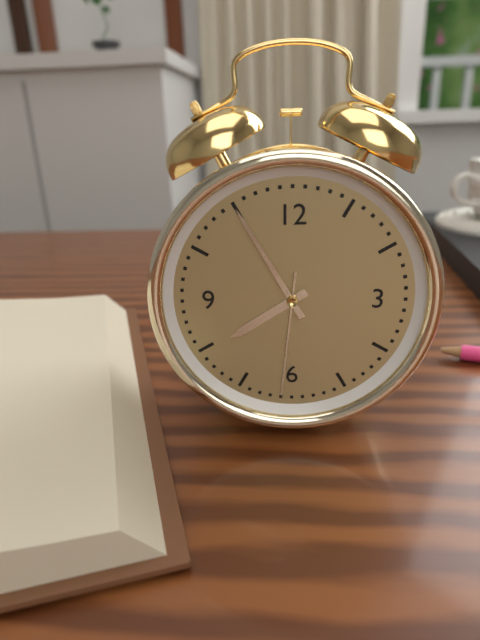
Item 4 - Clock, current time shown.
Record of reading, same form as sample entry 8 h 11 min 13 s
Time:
7 h 55 min 31 s
